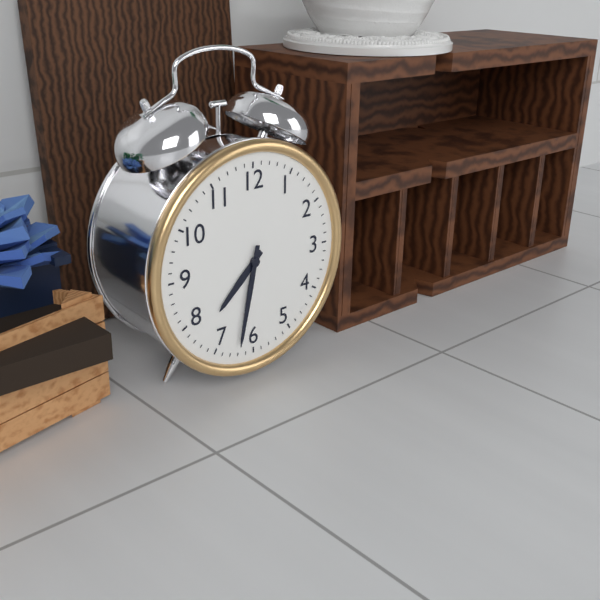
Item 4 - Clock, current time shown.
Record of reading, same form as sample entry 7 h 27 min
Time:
7 h 32 min
